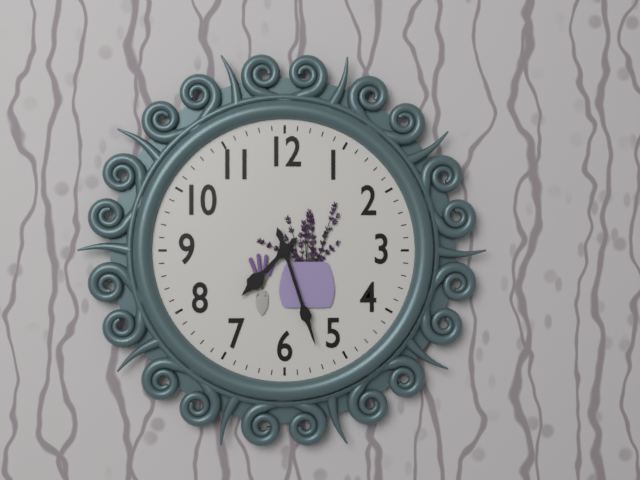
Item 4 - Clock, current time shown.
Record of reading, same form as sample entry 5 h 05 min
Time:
7 h 27 min
